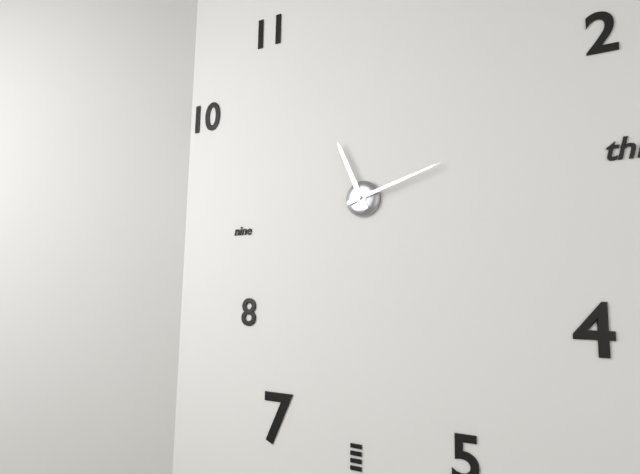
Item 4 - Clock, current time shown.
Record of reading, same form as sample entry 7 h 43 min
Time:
11 h 12 min
